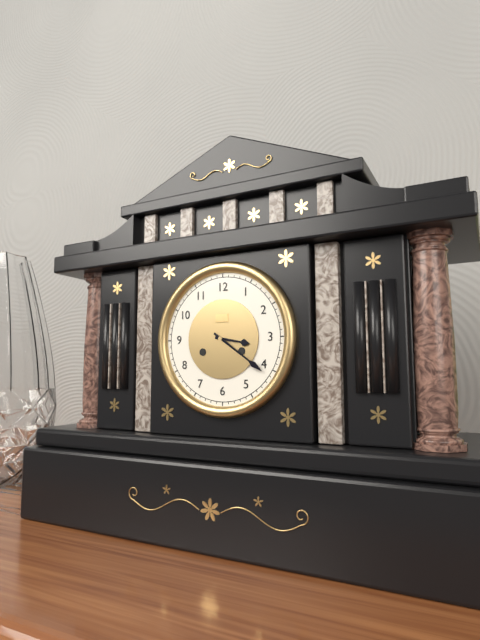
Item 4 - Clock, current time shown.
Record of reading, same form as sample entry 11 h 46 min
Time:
3 h 21 min
